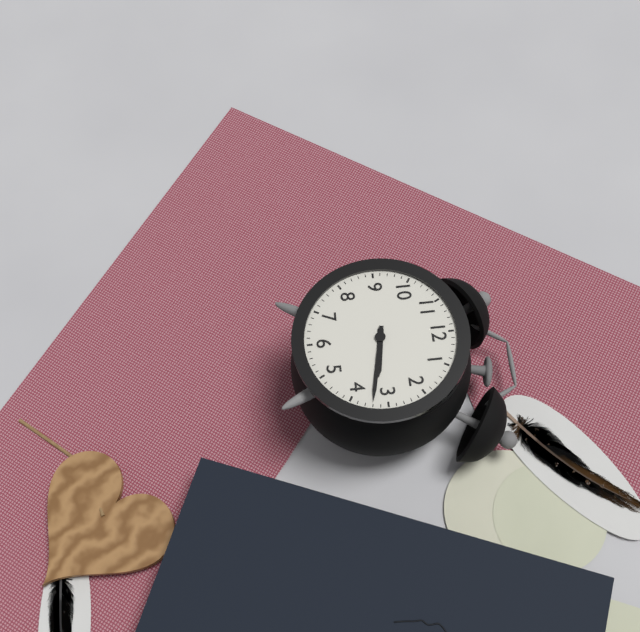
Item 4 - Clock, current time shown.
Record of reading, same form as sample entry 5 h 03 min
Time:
3 h 17 min
